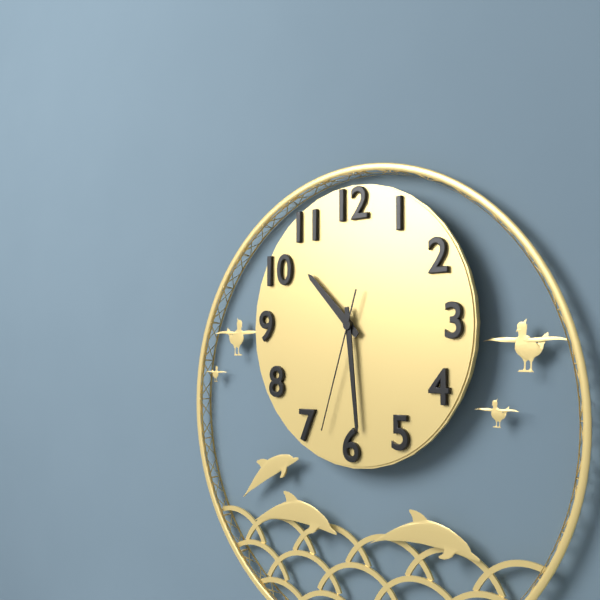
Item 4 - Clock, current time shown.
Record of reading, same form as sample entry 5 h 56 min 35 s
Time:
10 h 29 min 33 s
